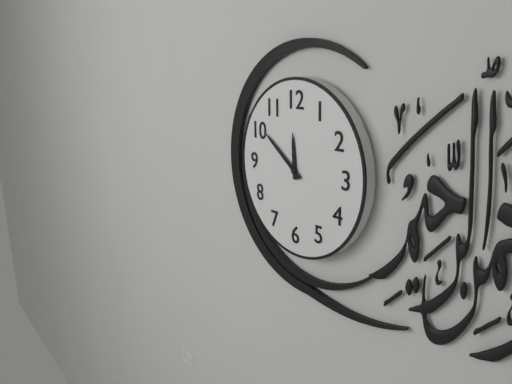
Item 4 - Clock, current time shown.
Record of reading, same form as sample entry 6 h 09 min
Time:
11 h 51 min
